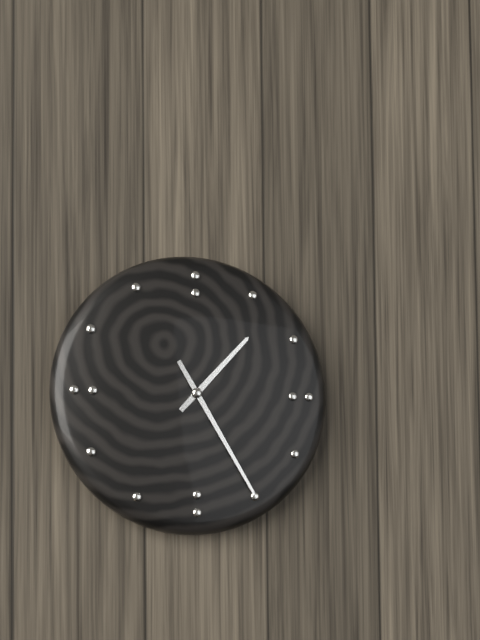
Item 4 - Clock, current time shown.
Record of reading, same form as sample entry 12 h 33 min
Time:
1 h 25 min
